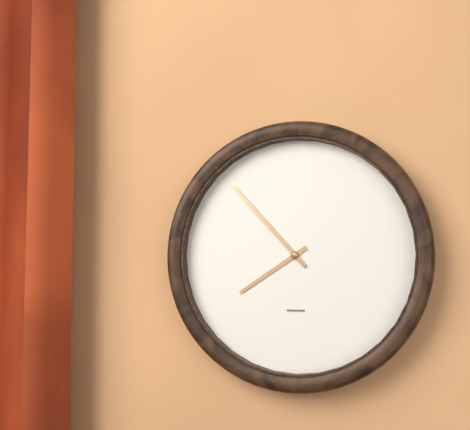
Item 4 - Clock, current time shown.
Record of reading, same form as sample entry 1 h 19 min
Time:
7 h 53 min
